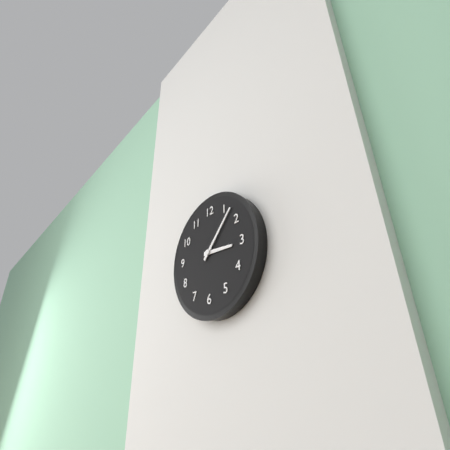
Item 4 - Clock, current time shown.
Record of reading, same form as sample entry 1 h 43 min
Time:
3 h 07 min
